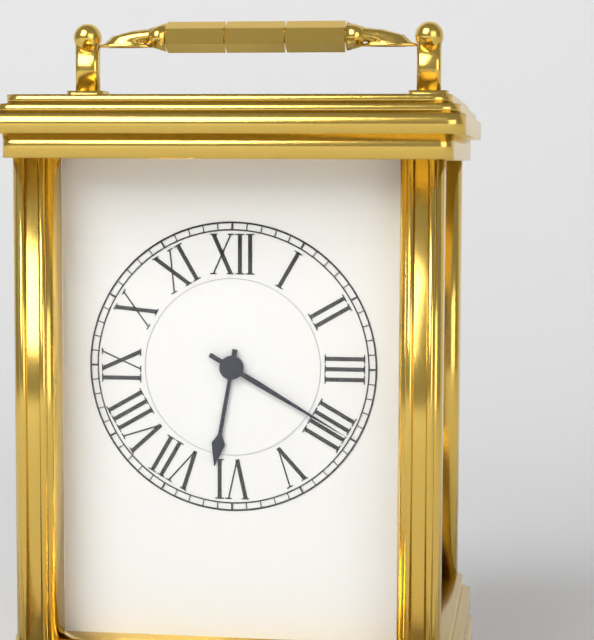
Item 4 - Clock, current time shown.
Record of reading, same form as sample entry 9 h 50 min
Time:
6 h 20 min
